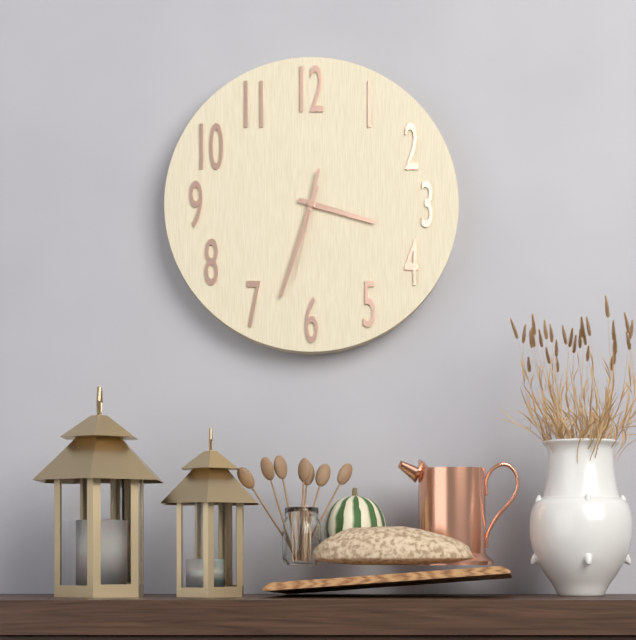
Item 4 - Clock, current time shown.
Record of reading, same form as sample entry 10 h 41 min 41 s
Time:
3 h 33 min 32 s
